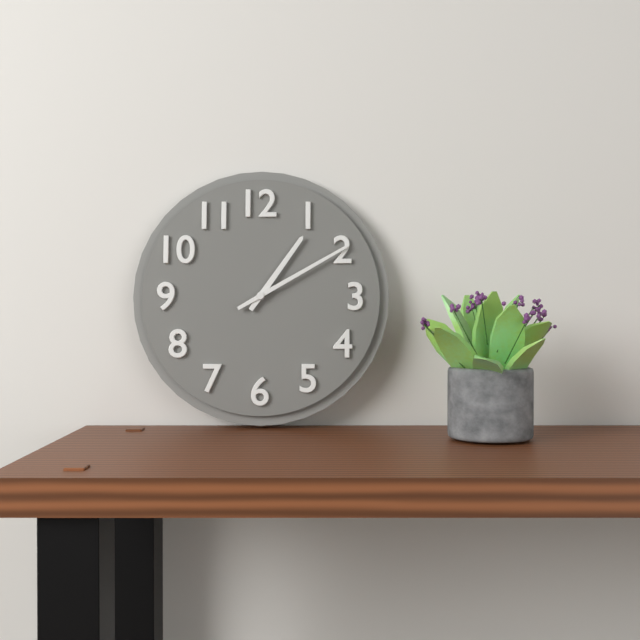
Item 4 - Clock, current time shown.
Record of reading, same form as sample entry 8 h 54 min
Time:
1 h 10 min
